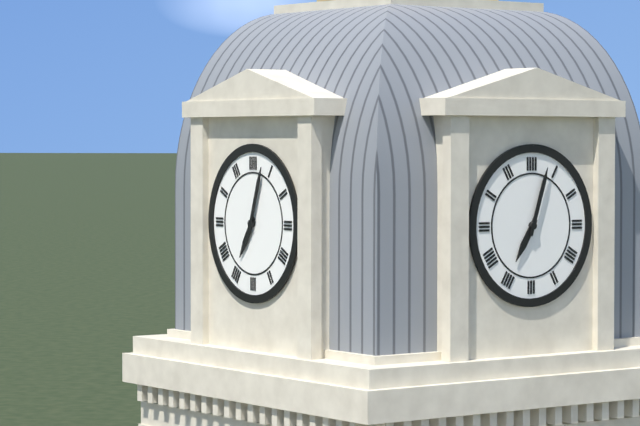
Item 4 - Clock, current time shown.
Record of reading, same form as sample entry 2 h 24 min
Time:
7 h 03 min
